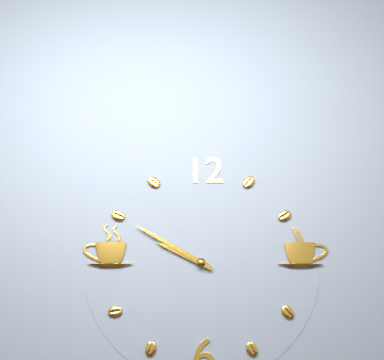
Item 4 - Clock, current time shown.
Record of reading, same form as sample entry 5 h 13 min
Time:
9 h 50 min
